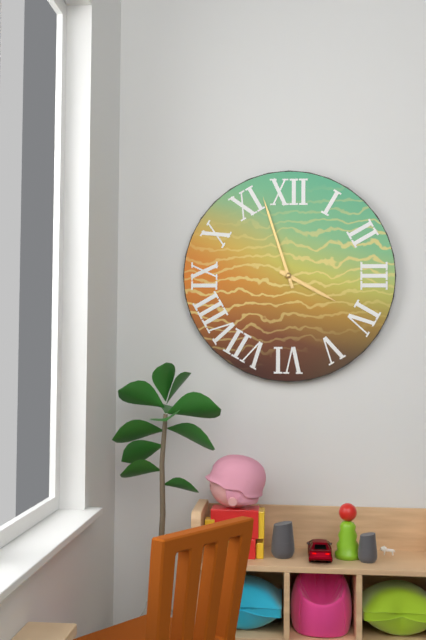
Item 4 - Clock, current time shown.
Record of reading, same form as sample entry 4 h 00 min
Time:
3 h 57 min
